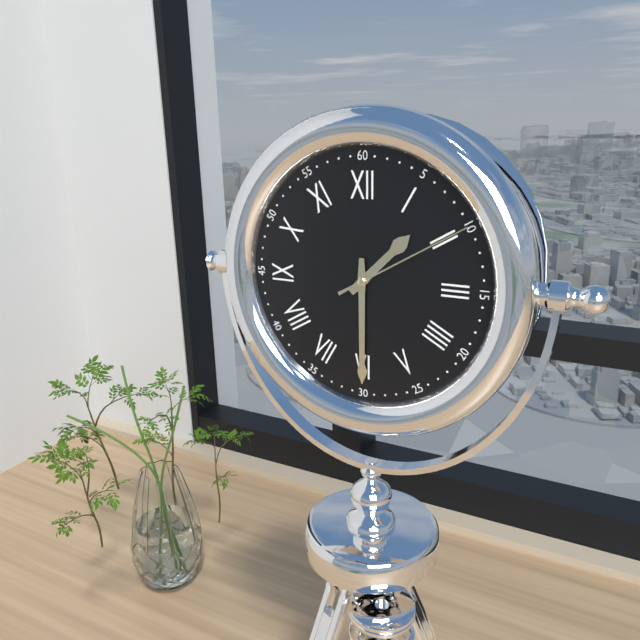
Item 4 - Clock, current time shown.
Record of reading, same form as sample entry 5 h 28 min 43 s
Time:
1 h 30 min 10 s
